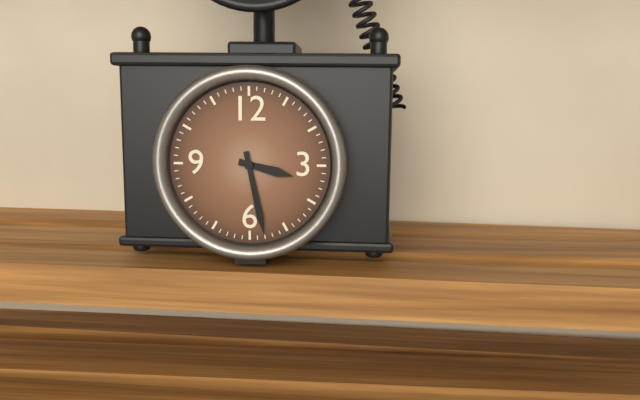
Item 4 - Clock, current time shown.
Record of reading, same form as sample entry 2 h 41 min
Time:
3 h 28 min
